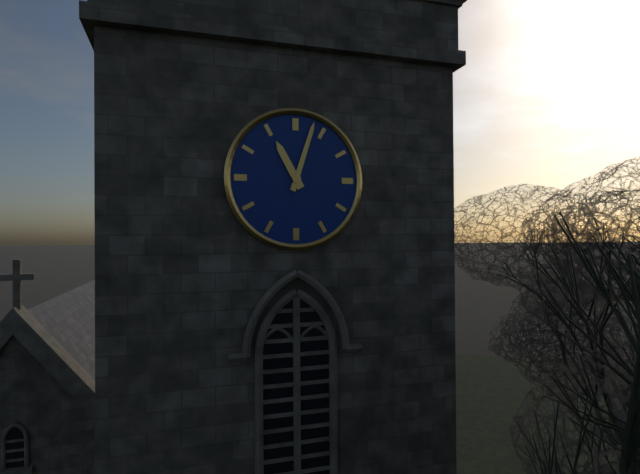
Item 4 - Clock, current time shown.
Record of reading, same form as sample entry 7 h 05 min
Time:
11 h 03 min
